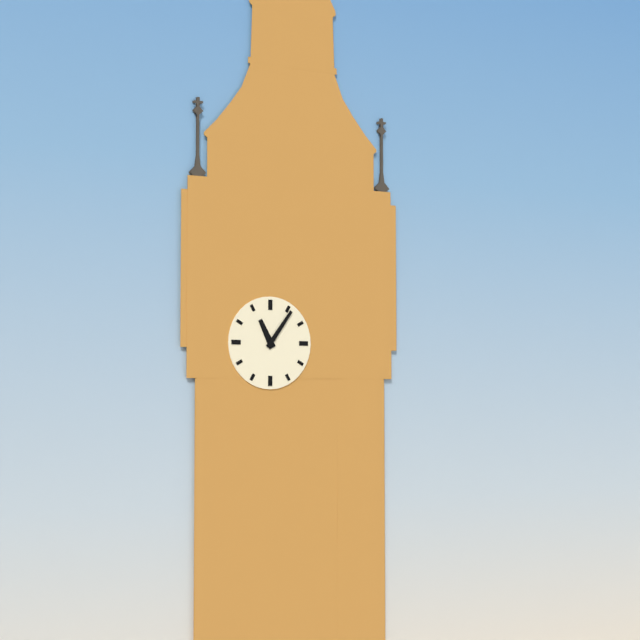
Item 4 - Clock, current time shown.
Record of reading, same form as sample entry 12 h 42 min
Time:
11 h 06 min
